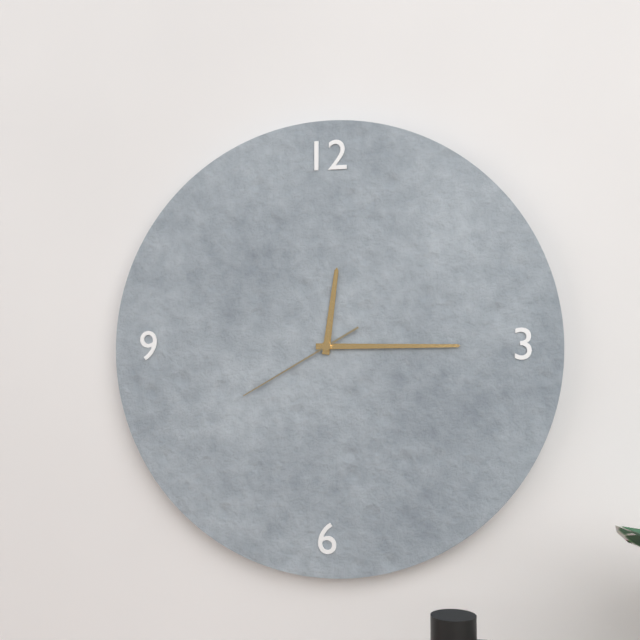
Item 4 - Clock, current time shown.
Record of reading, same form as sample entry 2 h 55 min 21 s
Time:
12 h 15 min 40 s
